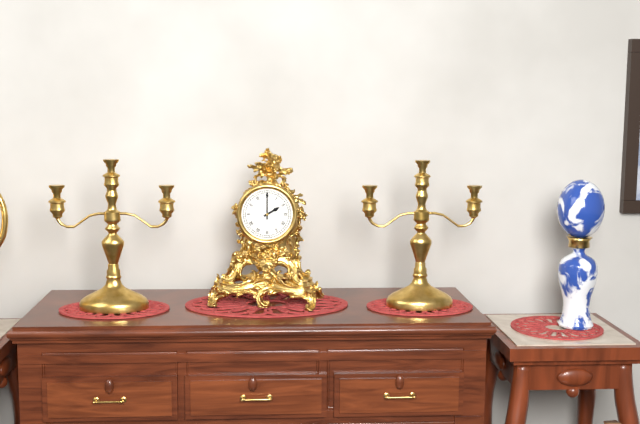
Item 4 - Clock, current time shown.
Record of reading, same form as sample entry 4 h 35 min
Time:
2 h 00 min
